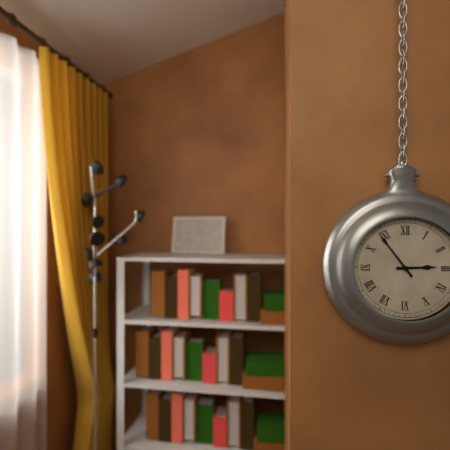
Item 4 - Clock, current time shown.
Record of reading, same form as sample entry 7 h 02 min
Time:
2 h 54 min
